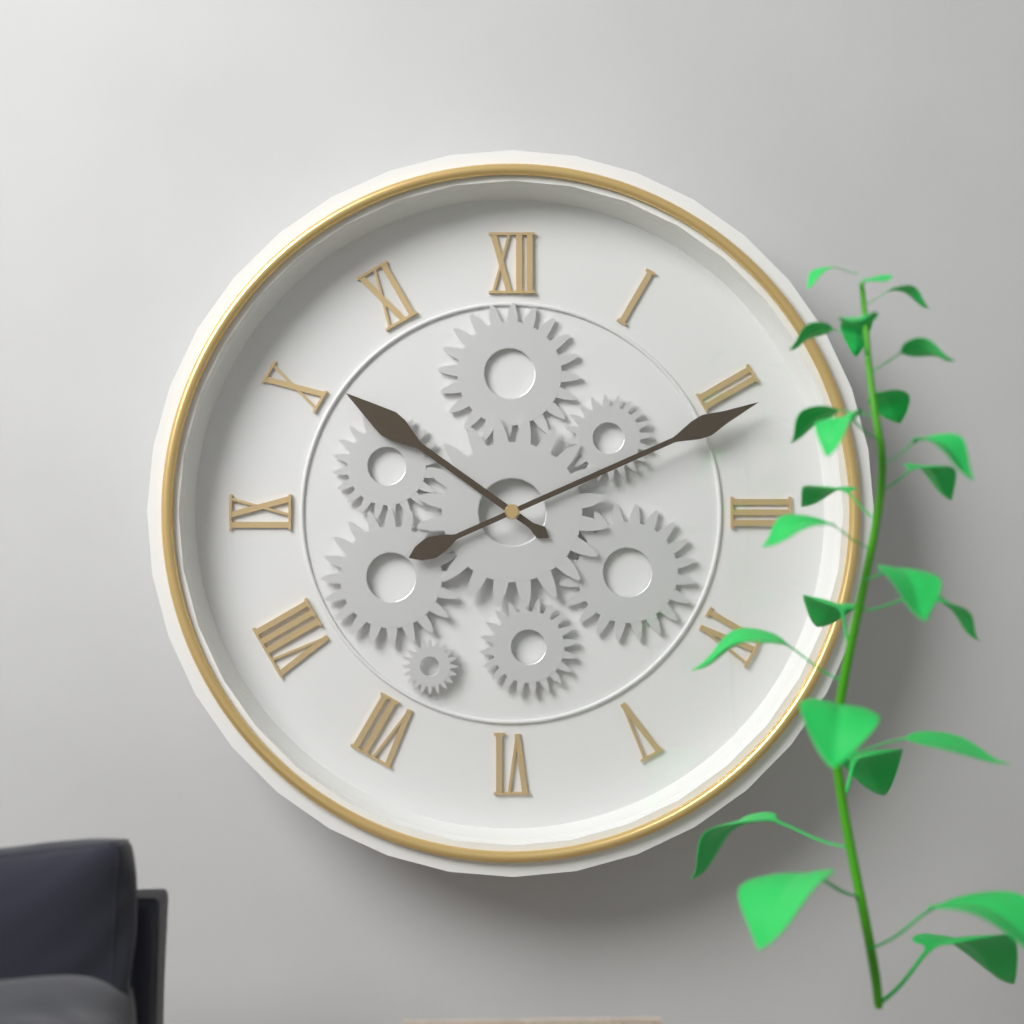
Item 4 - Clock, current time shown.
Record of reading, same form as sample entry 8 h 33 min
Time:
10 h 11 min
